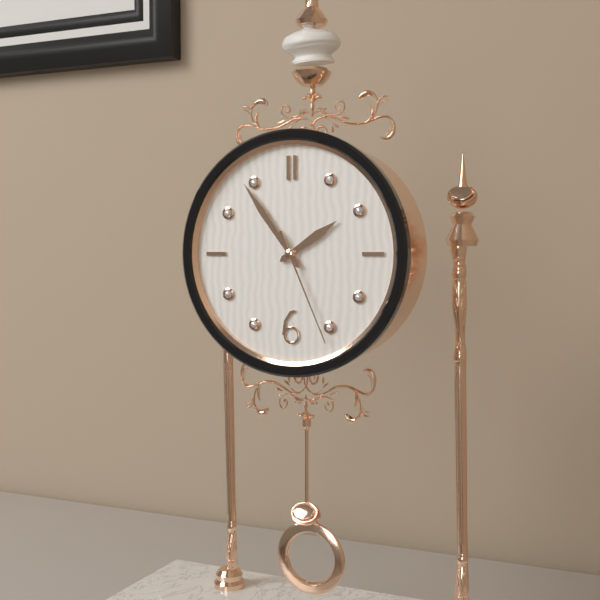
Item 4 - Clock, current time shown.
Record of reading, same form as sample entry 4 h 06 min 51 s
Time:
1 h 54 min 26 s
